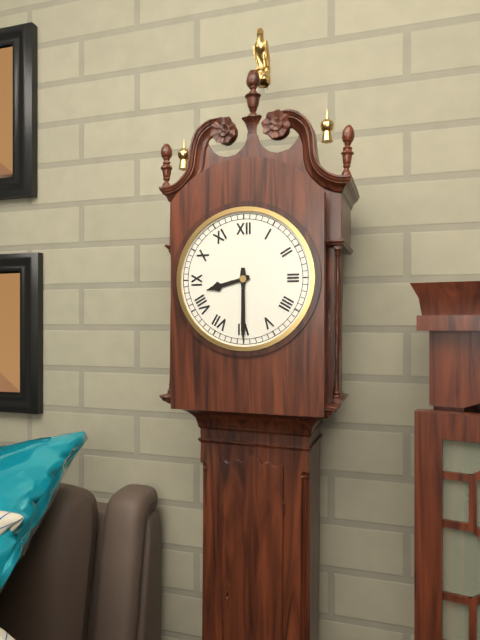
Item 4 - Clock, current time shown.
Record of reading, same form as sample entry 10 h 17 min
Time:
8 h 30 min
